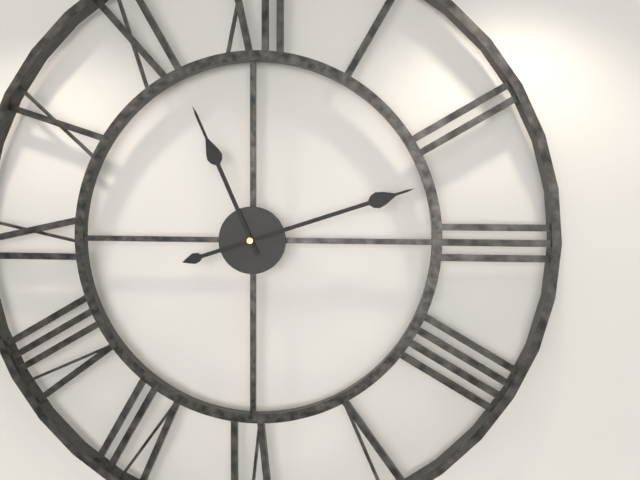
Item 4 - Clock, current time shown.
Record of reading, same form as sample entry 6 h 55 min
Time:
11 h 12 min
